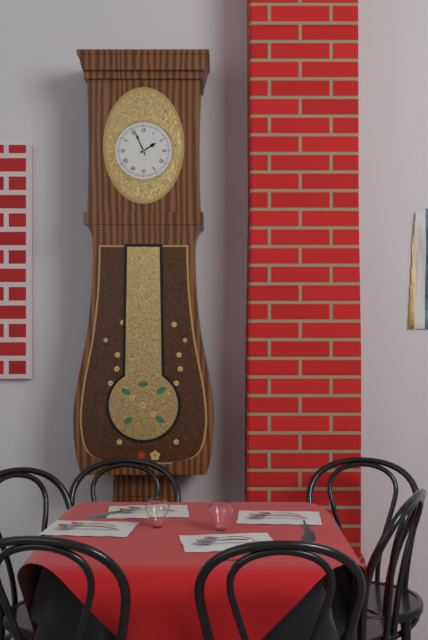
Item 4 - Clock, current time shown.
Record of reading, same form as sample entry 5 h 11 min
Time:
1 h 56 min
